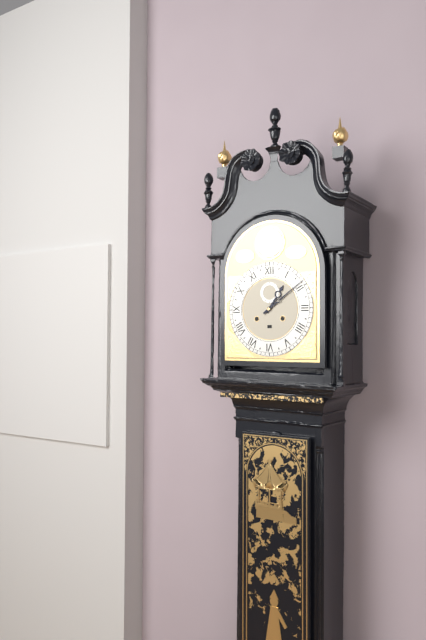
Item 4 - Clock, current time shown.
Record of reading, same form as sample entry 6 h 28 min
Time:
1 h 09 min
